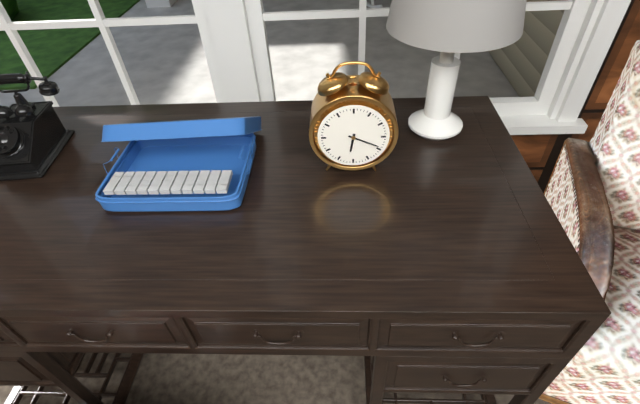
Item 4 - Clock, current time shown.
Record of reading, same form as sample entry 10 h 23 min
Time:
6 h 19 min
